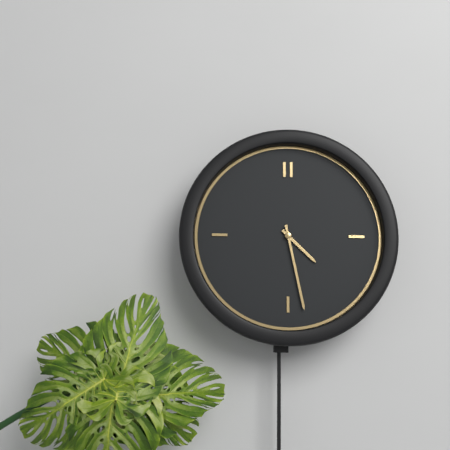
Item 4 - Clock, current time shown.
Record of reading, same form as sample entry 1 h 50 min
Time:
4 h 28 min
